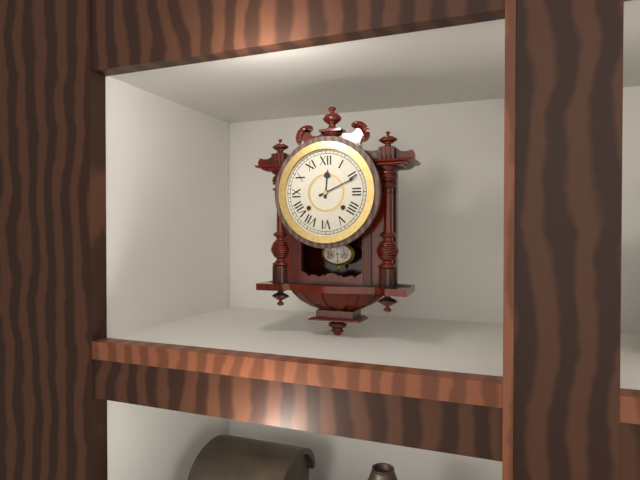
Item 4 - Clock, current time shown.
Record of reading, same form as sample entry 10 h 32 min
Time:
12 h 11 min
